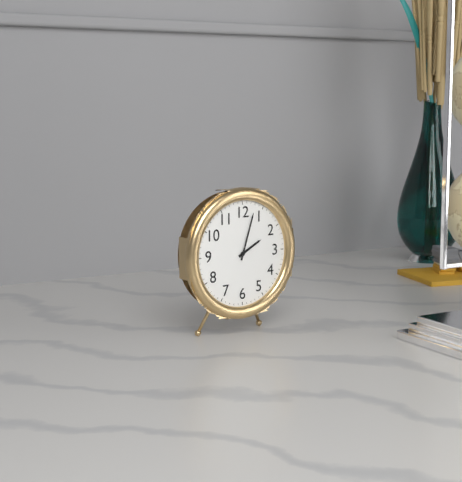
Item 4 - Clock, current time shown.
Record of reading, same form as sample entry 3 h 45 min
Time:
2 h 03 min
